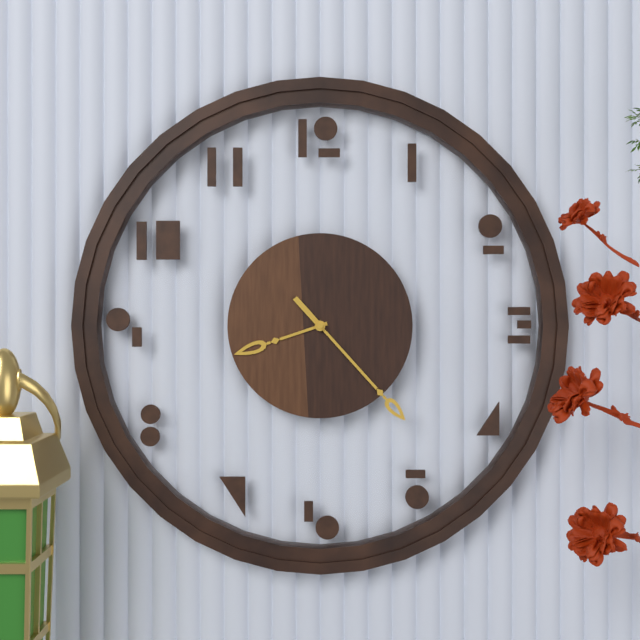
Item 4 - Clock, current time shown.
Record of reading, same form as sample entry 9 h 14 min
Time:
8 h 23 min
